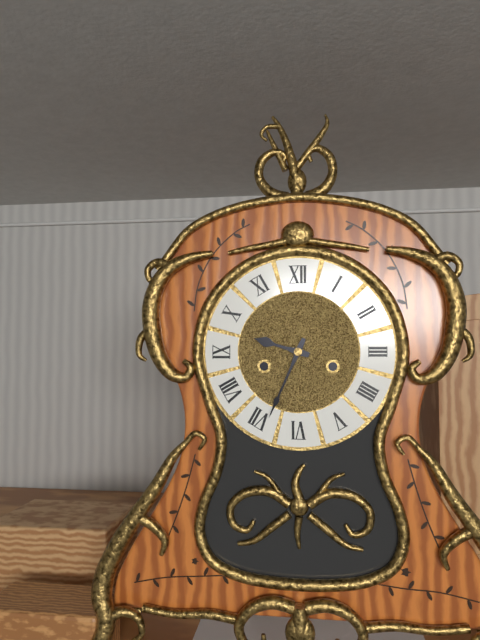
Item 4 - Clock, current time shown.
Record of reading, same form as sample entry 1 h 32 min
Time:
9 h 34 min
